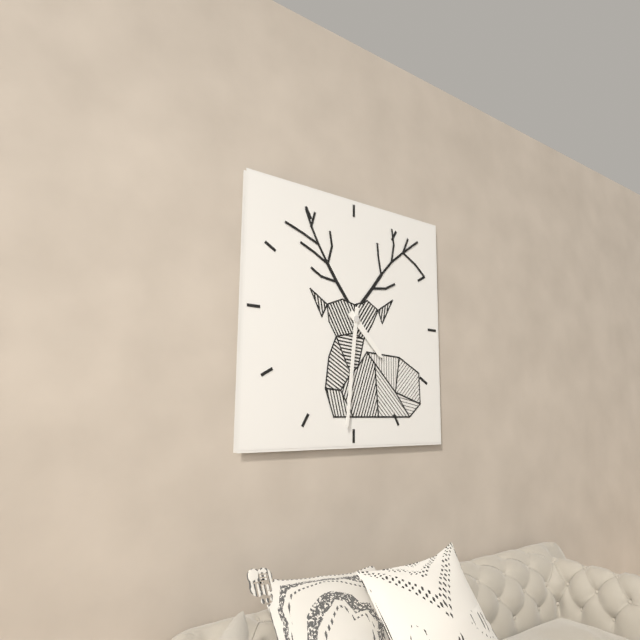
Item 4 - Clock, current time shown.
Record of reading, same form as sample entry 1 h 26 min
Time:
4 h 31 min
